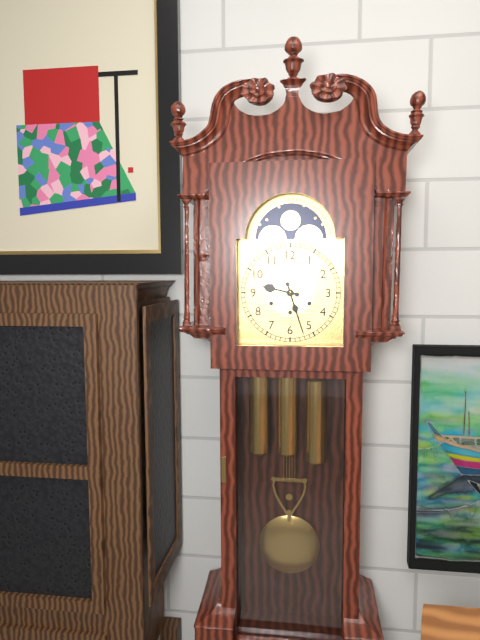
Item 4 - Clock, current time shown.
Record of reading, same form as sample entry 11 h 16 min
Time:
9 h 27 min
